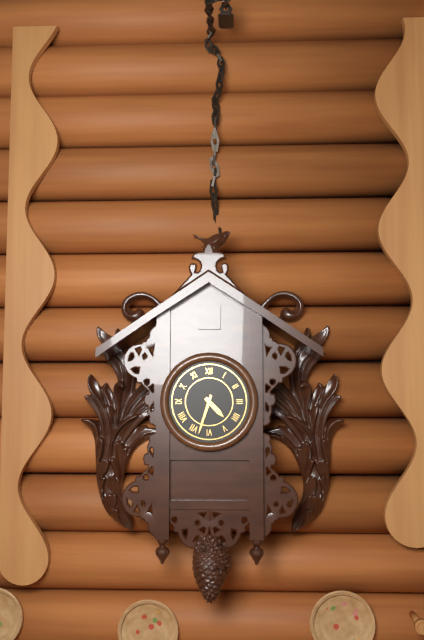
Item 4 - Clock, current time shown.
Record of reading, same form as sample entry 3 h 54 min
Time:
4 h 33 min
